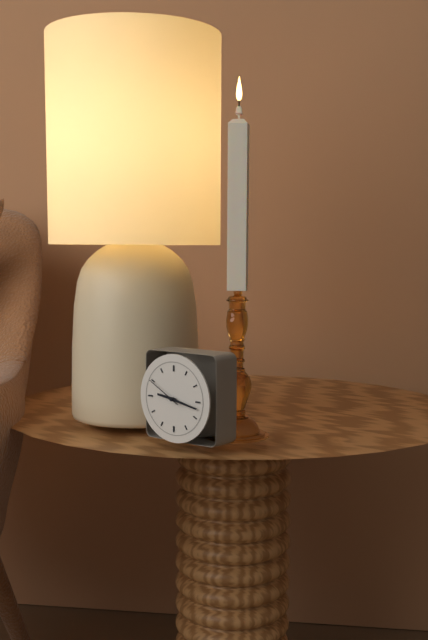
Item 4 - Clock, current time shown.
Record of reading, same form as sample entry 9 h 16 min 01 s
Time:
9 h 17 min 50 s
